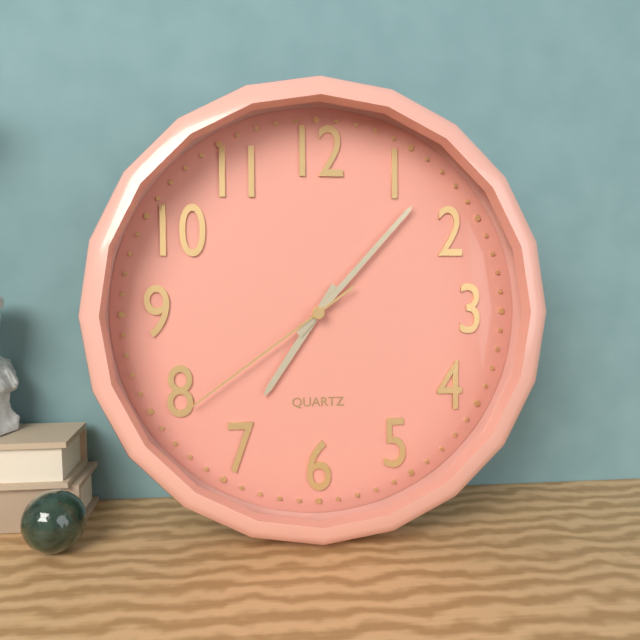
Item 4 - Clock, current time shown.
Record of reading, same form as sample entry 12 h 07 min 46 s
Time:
7 h 07 min 39 s
